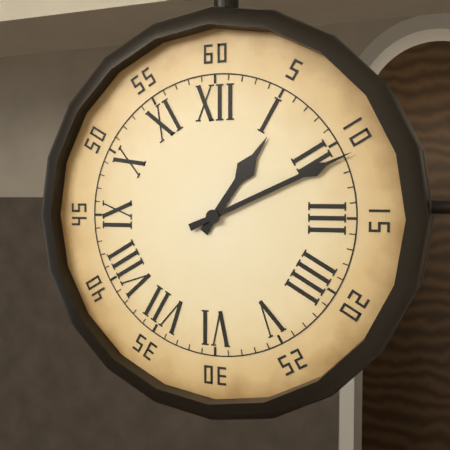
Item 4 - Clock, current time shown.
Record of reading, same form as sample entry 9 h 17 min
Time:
1 h 11 min
